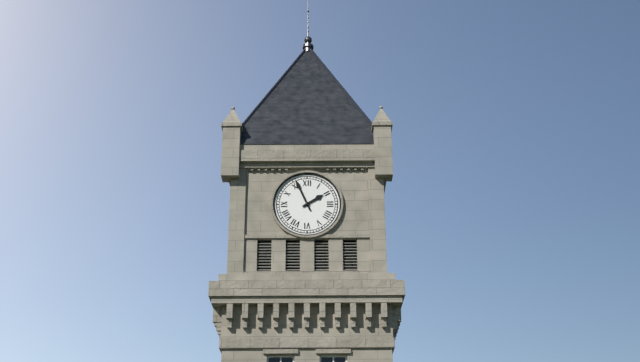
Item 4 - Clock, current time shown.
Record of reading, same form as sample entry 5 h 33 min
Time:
1 h 56 min
